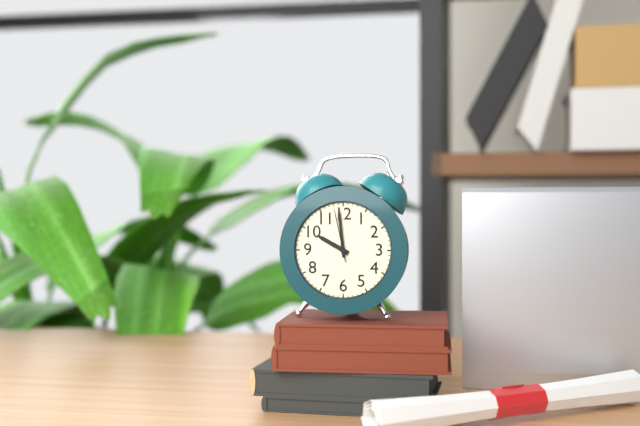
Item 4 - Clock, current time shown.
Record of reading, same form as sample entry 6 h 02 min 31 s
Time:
9 h 59 min 58 s
